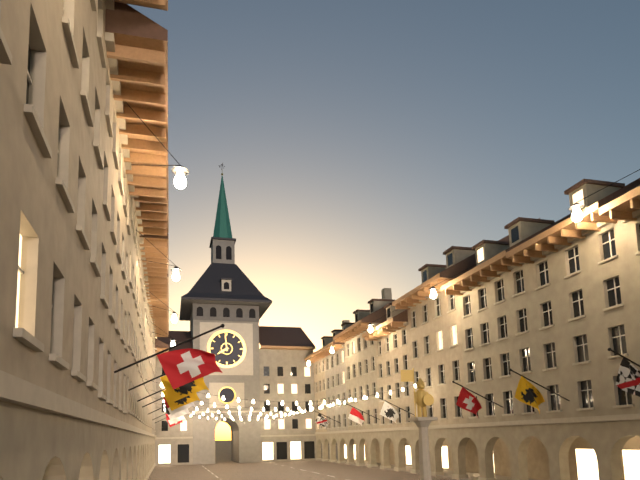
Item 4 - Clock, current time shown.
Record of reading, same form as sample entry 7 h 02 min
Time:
7 h 59 min
